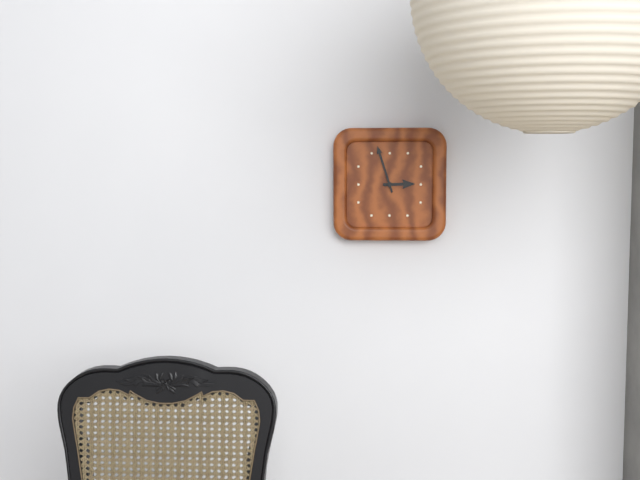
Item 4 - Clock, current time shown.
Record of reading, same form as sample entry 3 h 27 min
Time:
2 h 57 min
